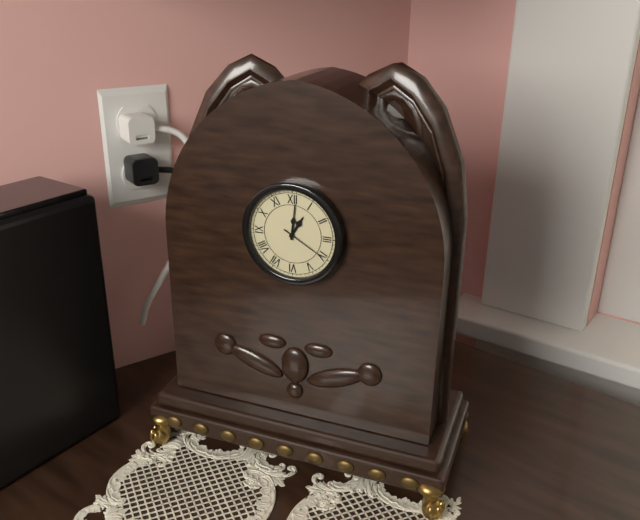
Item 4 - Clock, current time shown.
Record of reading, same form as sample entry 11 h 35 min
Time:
1 h 01 min
